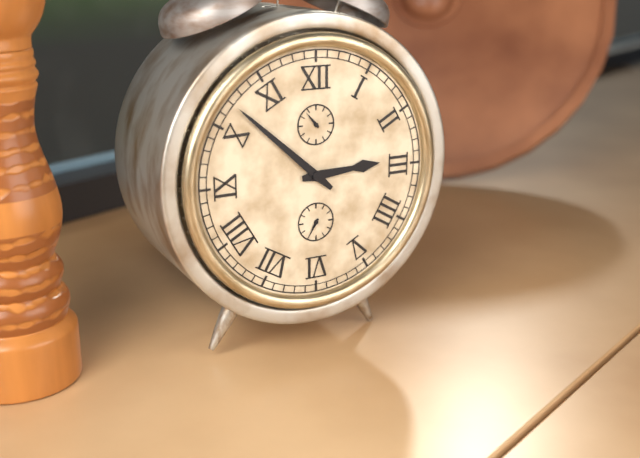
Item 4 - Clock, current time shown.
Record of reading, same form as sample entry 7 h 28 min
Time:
2 h 52 min
